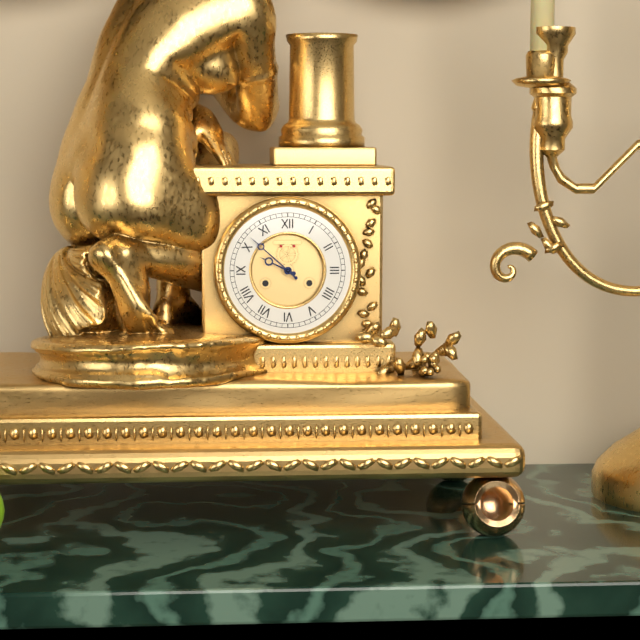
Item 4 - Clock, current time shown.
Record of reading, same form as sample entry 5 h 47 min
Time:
9 h 52 min
